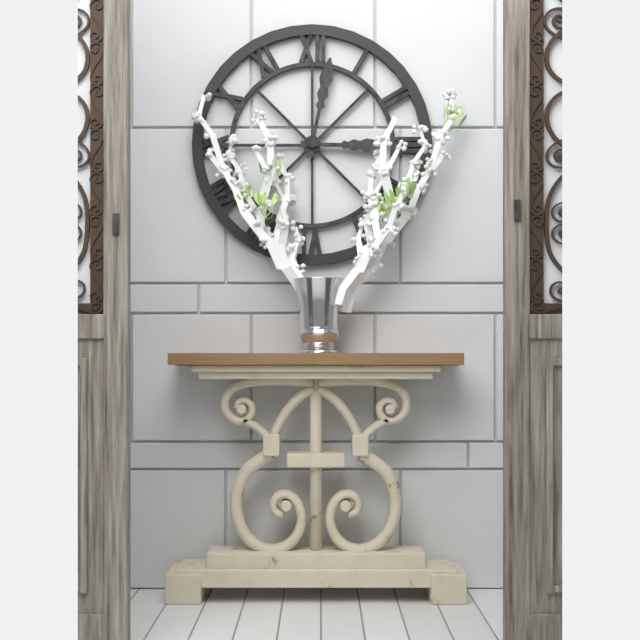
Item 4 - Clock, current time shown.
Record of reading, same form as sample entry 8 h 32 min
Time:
3 h 02 min
